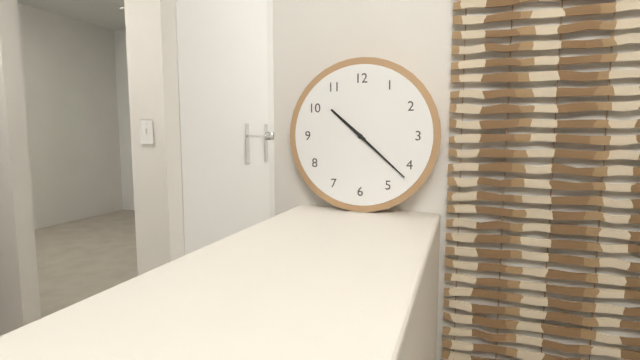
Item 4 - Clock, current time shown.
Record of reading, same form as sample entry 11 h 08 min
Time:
10 h 22 min
